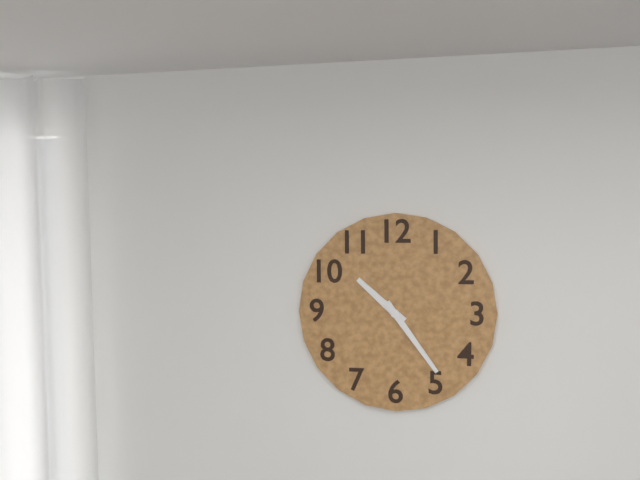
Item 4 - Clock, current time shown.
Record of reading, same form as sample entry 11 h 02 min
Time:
10 h 24 min
